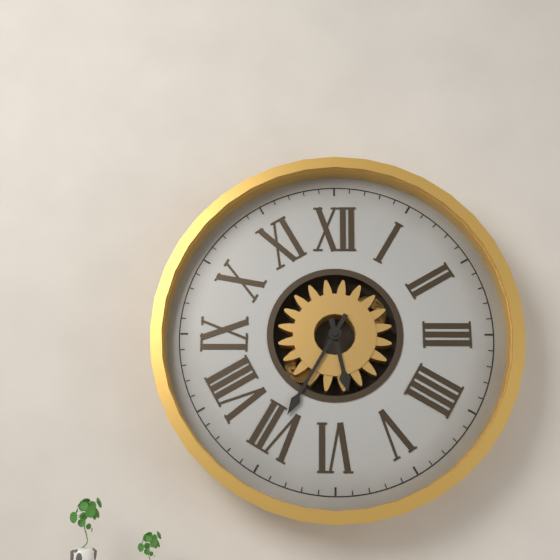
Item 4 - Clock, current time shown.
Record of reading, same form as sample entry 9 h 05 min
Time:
5 h 35 min
